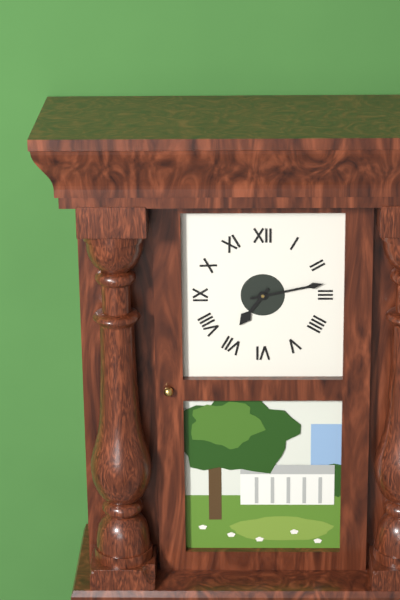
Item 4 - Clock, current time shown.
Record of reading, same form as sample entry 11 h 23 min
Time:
7 h 13 min
